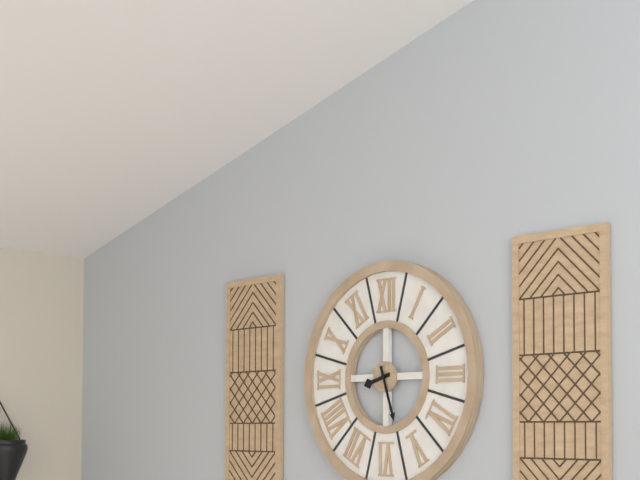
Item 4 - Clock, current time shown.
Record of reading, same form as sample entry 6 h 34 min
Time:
8 h 27 min
